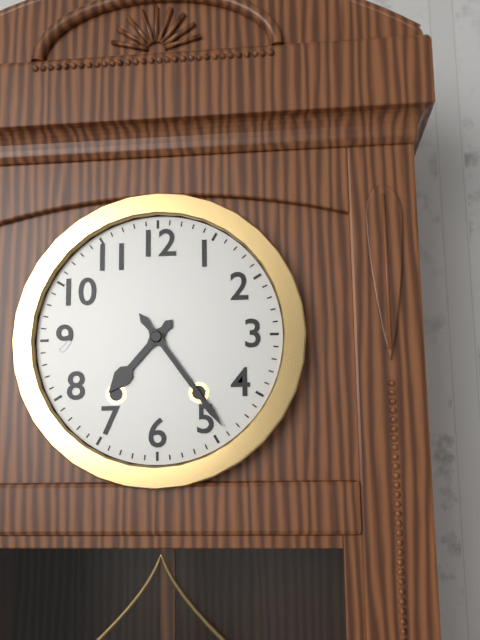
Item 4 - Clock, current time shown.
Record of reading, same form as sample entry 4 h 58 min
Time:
7 h 24 min
